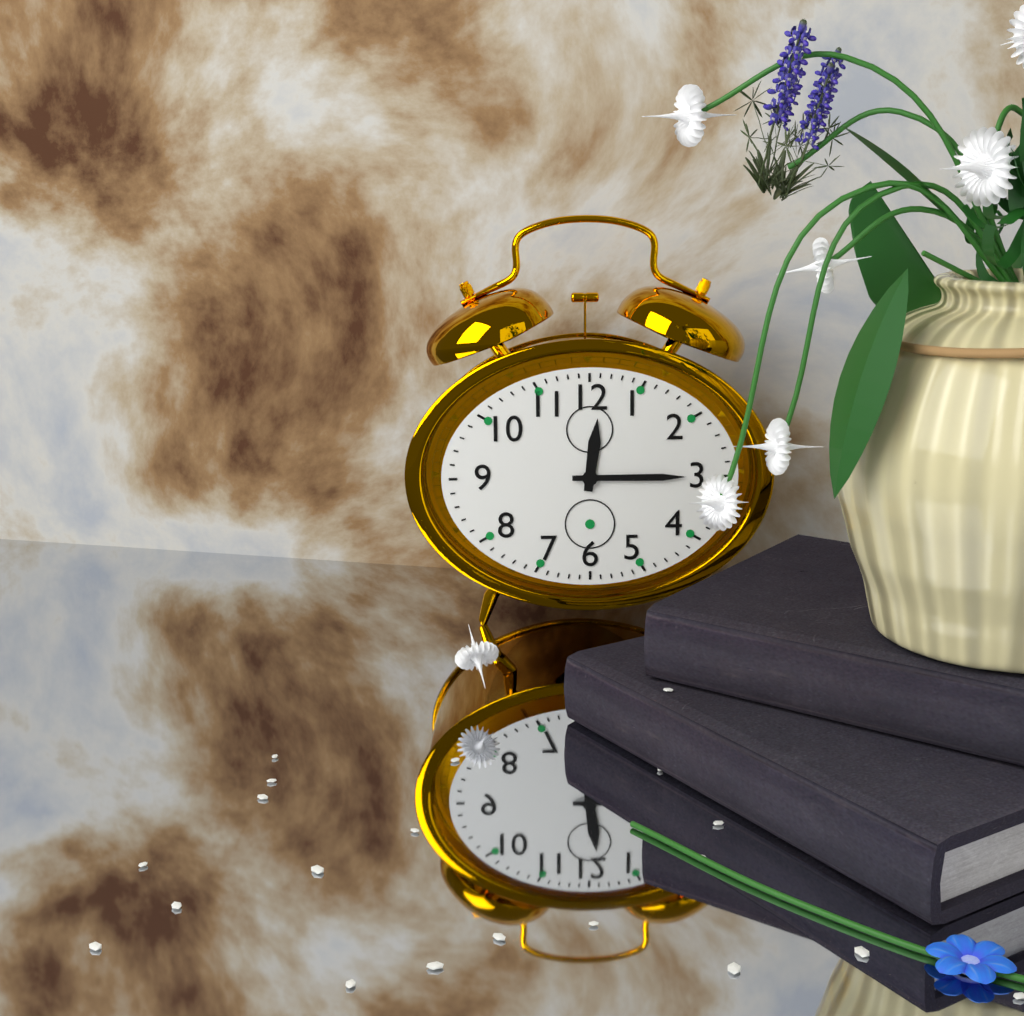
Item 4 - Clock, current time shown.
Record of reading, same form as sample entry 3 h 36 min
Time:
12 h 15 min
